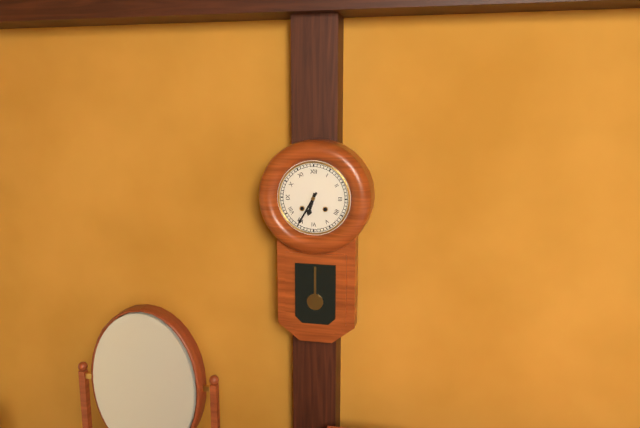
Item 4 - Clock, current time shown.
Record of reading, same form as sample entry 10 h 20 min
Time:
6 h 35 min
